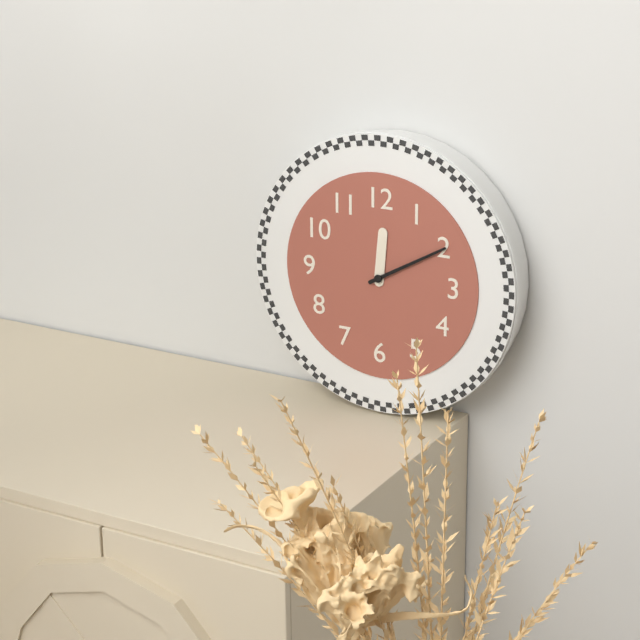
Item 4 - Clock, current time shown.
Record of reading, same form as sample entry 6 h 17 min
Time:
12 h 10 min
